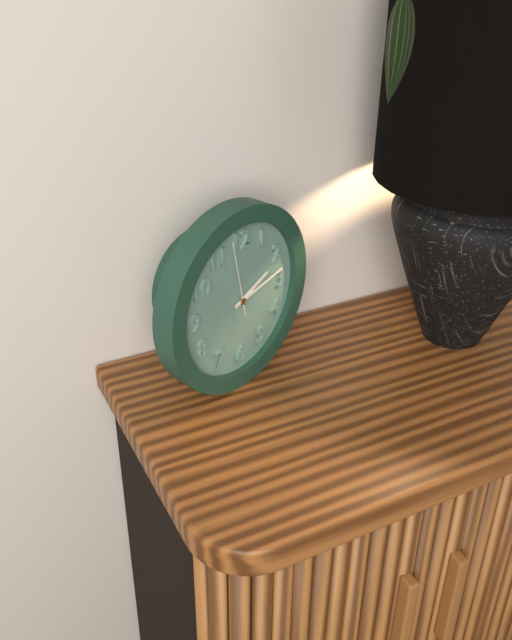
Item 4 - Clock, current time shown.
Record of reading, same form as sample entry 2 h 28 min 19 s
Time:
2 h 13 min 58 s
